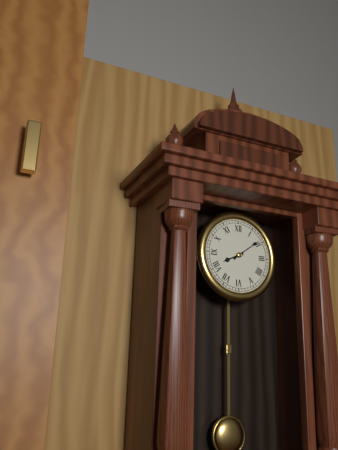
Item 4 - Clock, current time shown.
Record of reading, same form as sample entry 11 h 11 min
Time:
8 h 09 min
